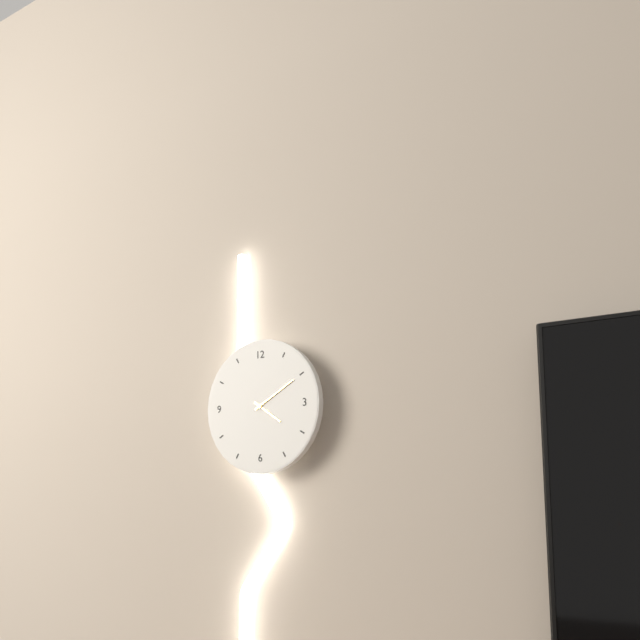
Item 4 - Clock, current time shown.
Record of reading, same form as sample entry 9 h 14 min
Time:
4 h 10 min
